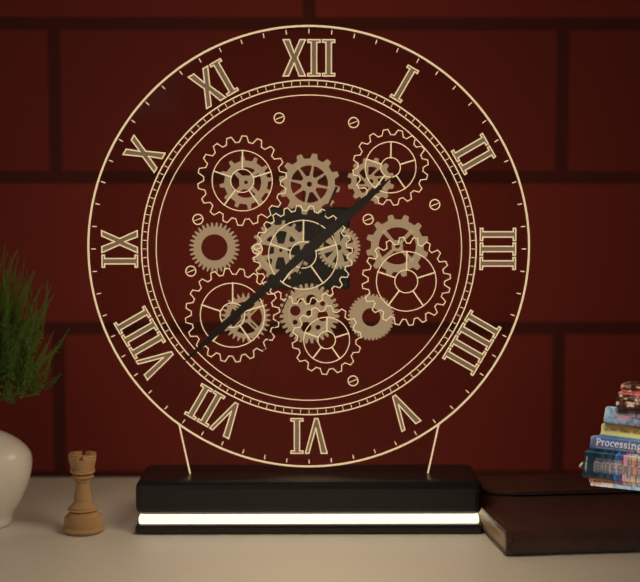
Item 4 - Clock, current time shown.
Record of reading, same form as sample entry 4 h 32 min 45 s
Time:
1 h 38 min 34 s
